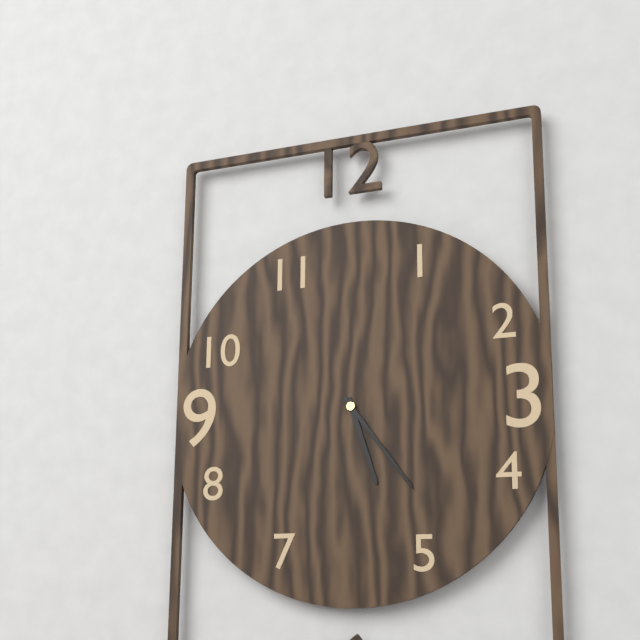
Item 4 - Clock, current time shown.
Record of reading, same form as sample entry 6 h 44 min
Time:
5 h 24 min
